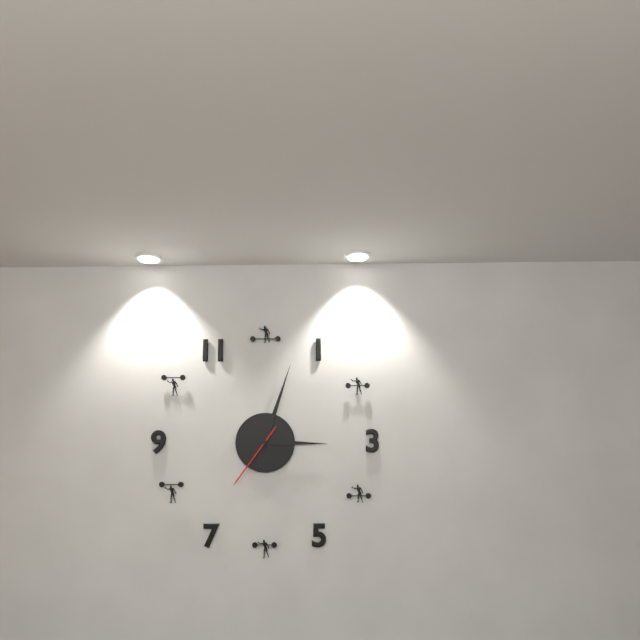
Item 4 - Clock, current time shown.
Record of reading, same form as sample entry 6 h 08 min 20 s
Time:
3 h 03 min 36 s
